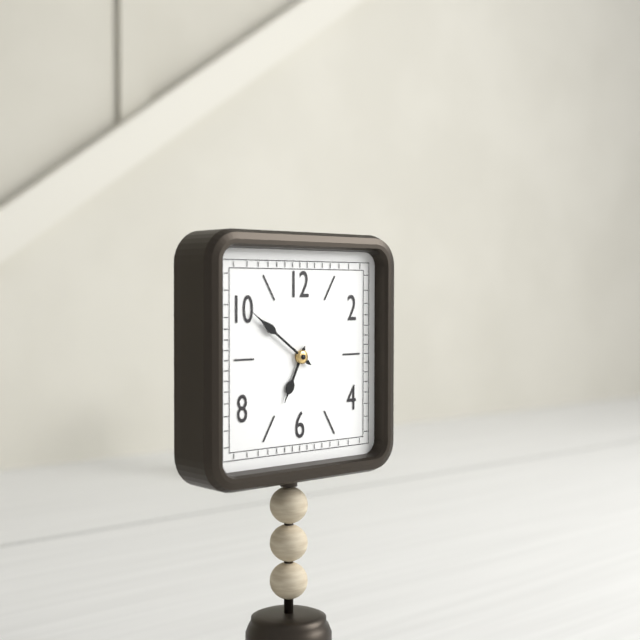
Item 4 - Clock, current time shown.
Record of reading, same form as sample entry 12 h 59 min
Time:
6 h 51 min
